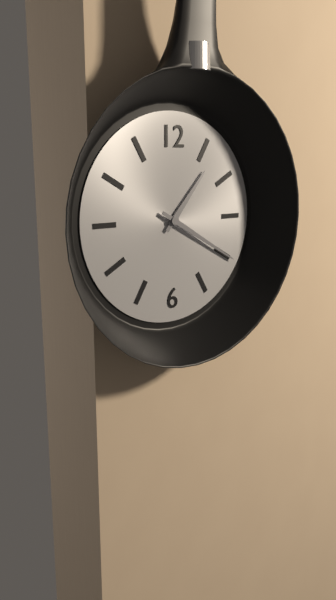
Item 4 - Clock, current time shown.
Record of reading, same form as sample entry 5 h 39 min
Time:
1 h 20 min
